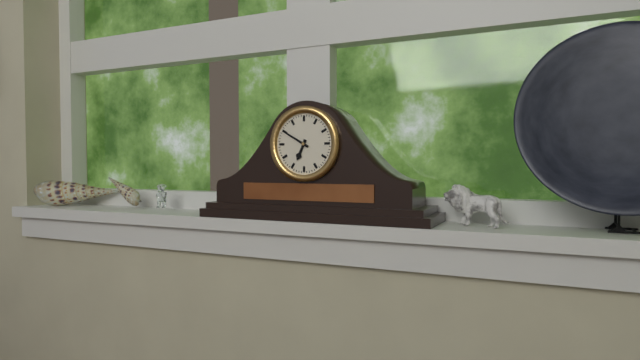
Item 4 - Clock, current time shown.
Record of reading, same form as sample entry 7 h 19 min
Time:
6 h 50 min
